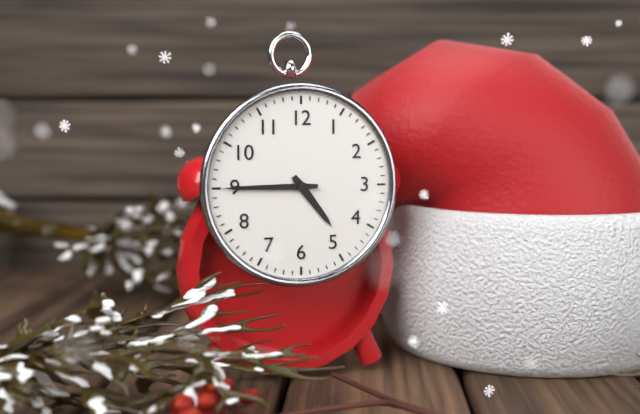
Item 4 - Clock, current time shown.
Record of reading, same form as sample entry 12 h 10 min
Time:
4 h 45 min
